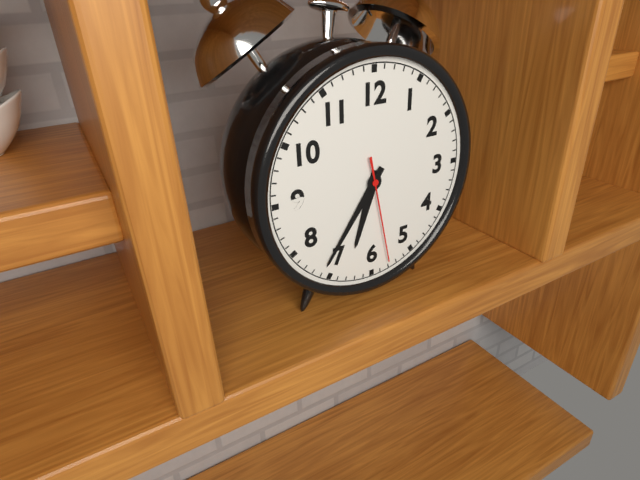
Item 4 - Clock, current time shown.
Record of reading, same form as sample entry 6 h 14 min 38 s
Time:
6 h 36 min 28 s
